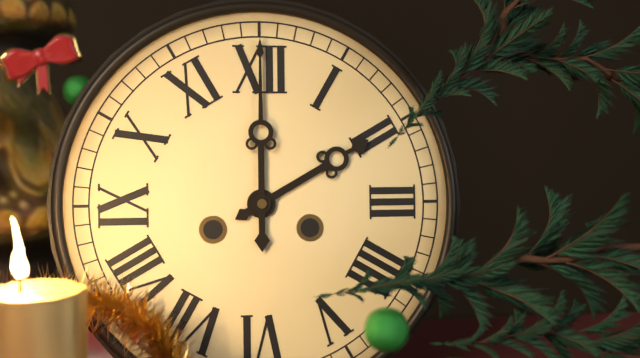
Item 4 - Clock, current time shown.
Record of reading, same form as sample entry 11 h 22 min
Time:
2 h 00 min
